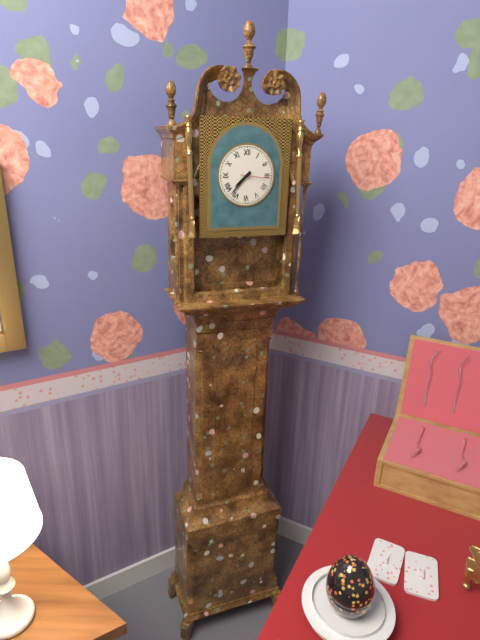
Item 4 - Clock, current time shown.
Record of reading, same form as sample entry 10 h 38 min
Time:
7 h 37 min
